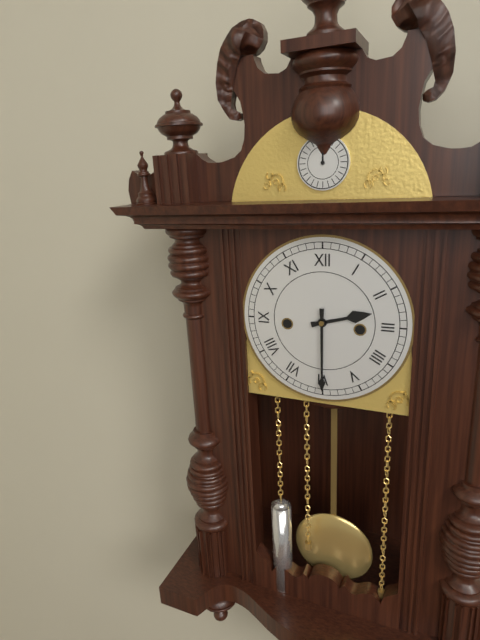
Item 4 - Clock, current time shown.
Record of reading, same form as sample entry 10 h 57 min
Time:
2 h 30 min
